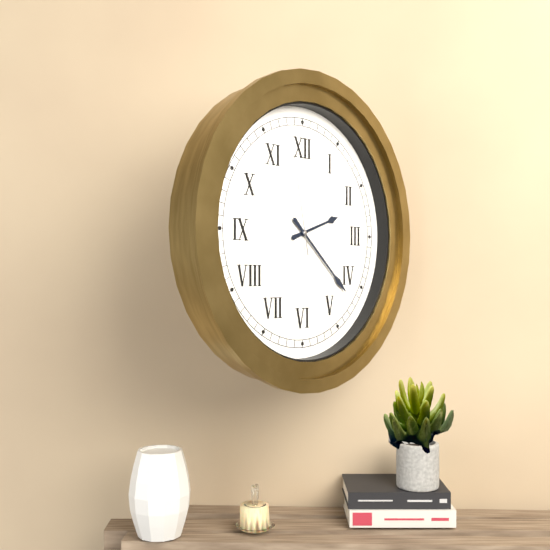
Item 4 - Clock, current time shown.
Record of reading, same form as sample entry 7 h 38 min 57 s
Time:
2 h 22 min 58 s
